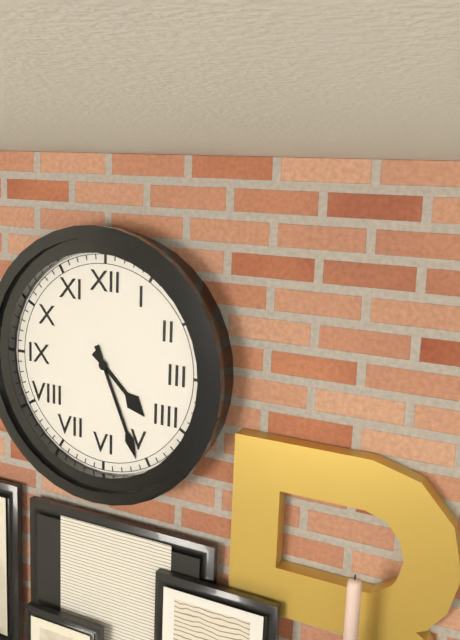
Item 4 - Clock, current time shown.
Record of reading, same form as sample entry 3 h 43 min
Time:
4 h 26 min
